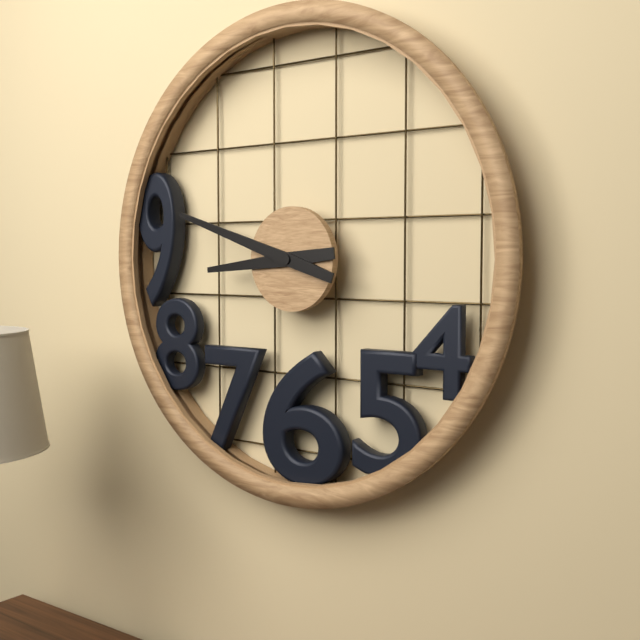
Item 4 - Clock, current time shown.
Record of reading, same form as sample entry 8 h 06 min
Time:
8 h 48 min
